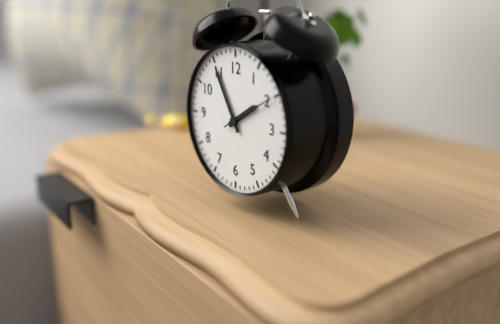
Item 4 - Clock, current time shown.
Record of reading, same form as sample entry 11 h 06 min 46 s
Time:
1 h 55 min 10 s
